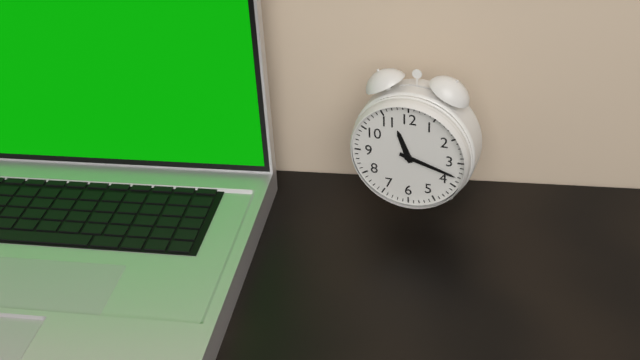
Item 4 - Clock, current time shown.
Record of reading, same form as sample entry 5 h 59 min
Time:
11 h 18 min
